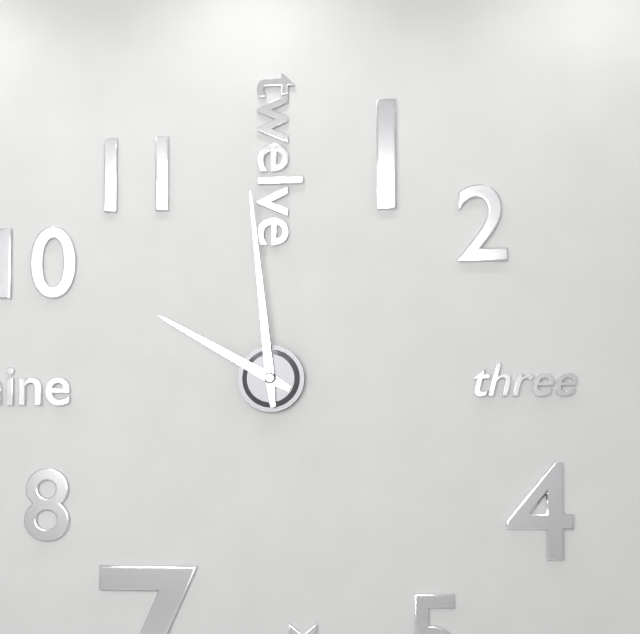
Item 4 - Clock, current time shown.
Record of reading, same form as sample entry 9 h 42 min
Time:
9 h 59 min
